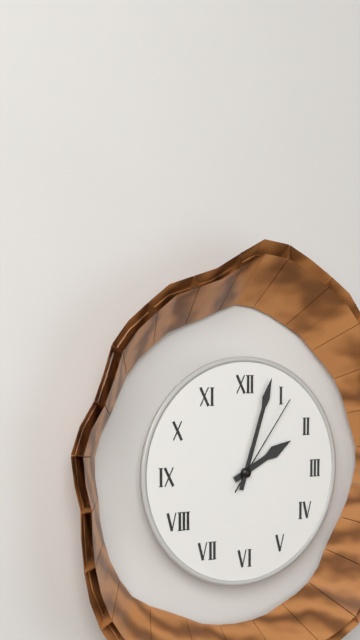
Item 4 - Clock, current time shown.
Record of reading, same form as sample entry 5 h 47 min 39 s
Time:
2 h 03 min 06 s
